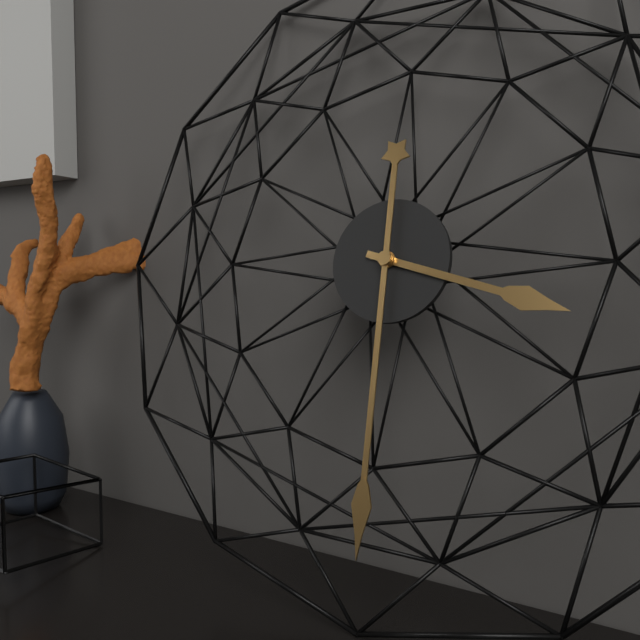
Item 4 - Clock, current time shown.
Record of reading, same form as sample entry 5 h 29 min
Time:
3 h 30 min
